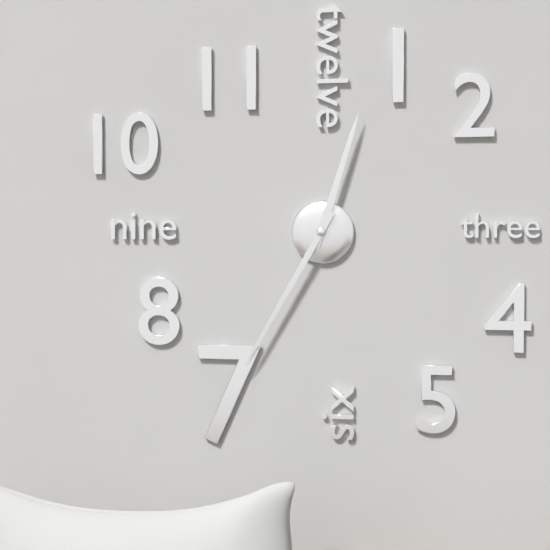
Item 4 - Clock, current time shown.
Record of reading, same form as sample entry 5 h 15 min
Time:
12 h 35 min
